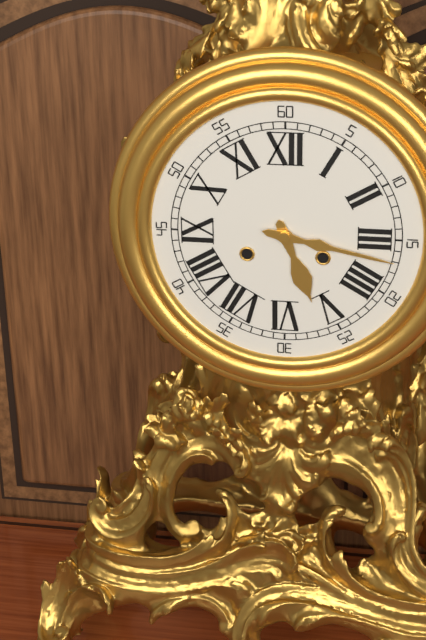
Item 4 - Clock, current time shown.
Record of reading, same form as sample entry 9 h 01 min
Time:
5 h 17 min
